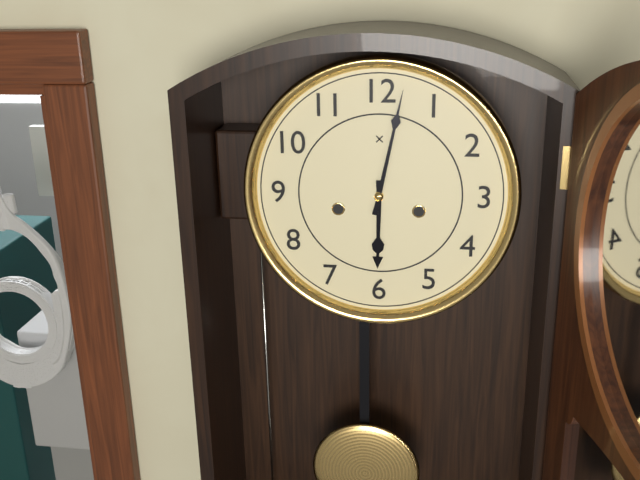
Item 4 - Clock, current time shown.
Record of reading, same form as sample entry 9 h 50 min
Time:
6 h 02 min
